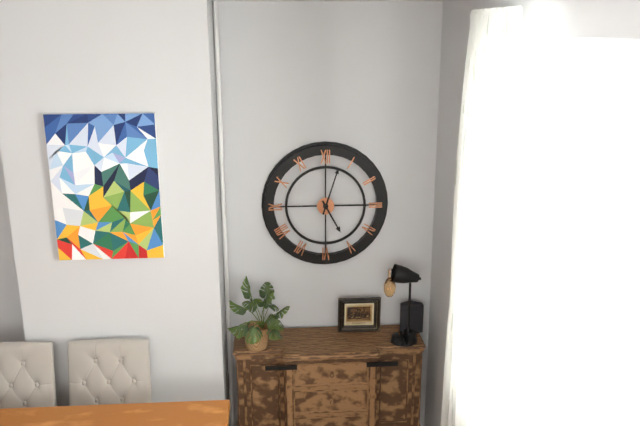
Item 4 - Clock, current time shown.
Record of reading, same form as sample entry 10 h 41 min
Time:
5 h 03 min
